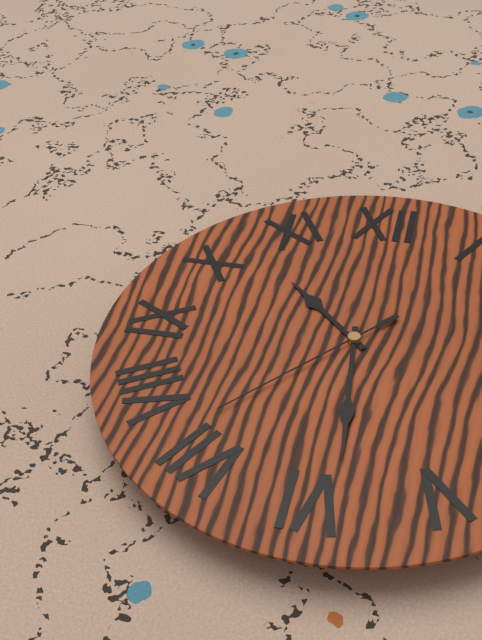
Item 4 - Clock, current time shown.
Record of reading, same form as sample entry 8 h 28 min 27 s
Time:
10 h 29 min 37 s
